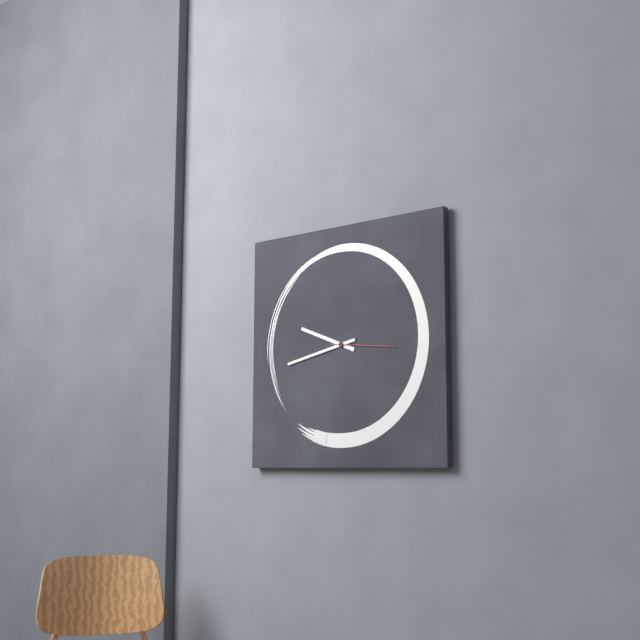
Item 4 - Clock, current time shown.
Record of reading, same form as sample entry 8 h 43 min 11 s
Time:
9 h 43 min 16 s
